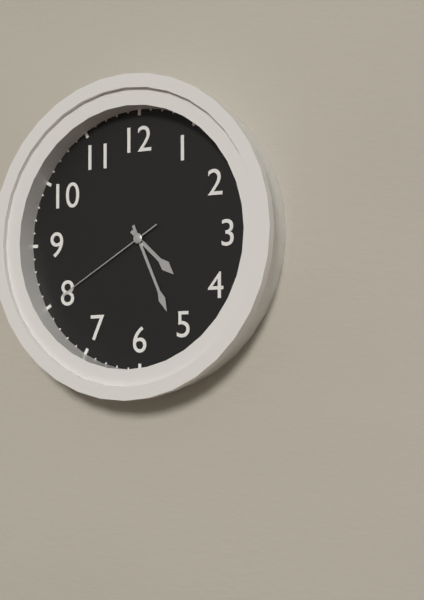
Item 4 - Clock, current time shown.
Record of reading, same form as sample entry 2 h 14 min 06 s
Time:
4 h 26 min 40 s
